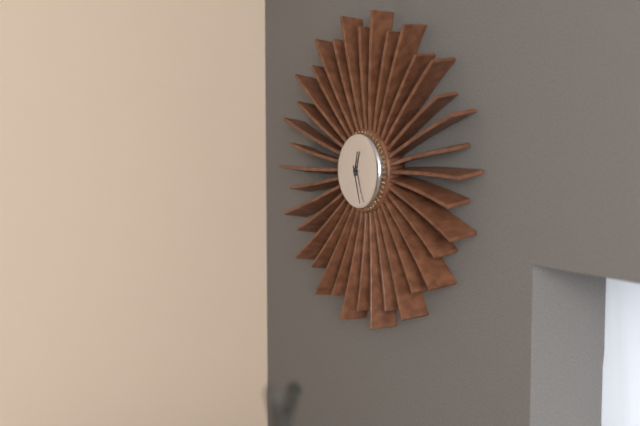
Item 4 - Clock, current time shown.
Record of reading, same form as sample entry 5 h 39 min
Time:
12 h 27 min
